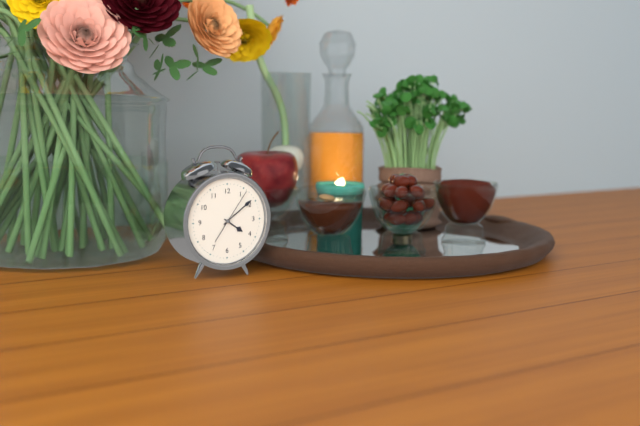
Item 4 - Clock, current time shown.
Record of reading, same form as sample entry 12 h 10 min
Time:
4 h 09 min
